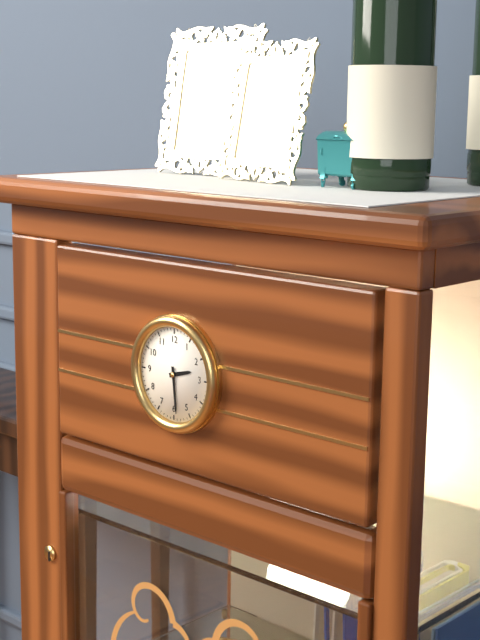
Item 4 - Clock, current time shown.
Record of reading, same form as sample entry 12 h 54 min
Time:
2 h 29 min
